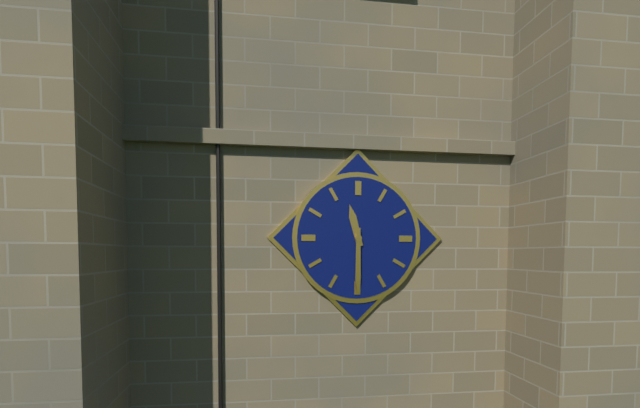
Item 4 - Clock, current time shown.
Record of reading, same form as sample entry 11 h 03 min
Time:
11 h 30 min
